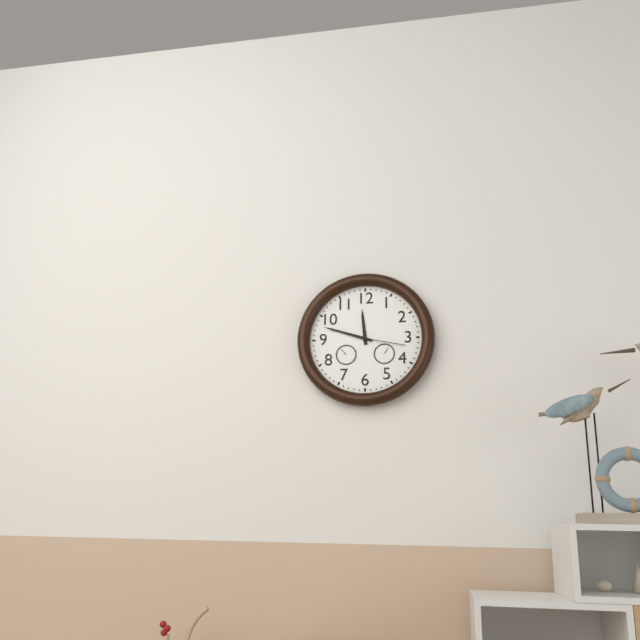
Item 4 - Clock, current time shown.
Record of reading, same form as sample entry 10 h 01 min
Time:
11 h 48 min
